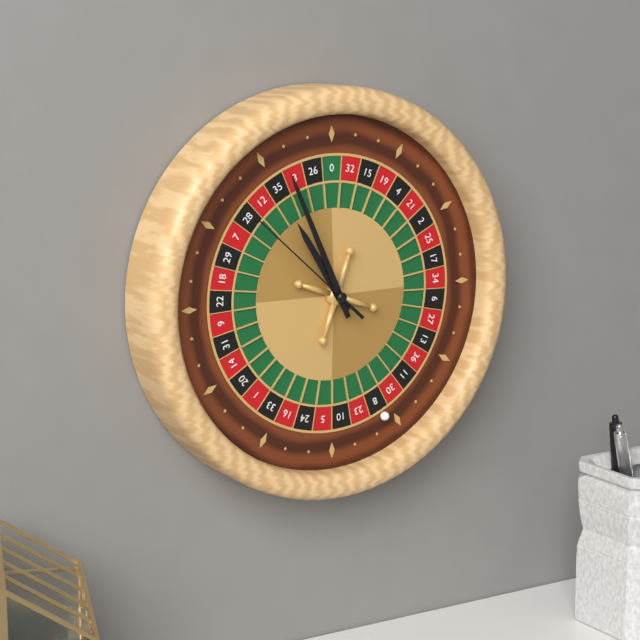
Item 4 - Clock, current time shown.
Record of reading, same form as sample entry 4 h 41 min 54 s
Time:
10 h 56 min 52 s
